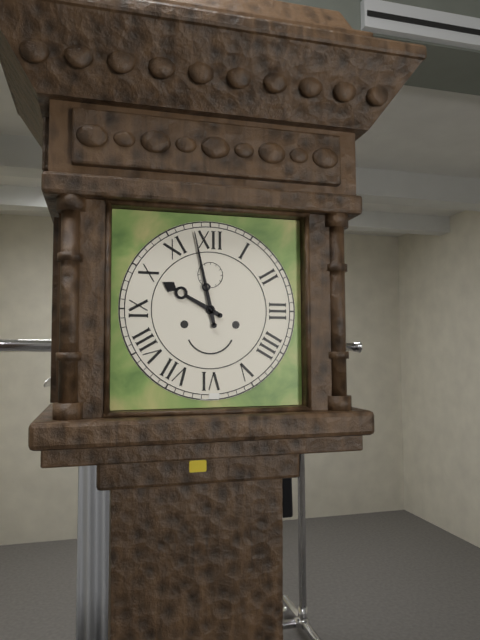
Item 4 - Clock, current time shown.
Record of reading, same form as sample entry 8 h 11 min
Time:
9 h 58 min
